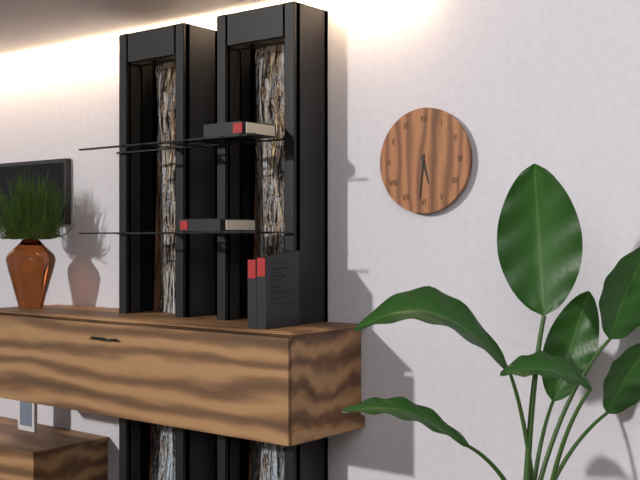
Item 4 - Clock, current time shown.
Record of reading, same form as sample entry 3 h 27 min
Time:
5 h 31 min
